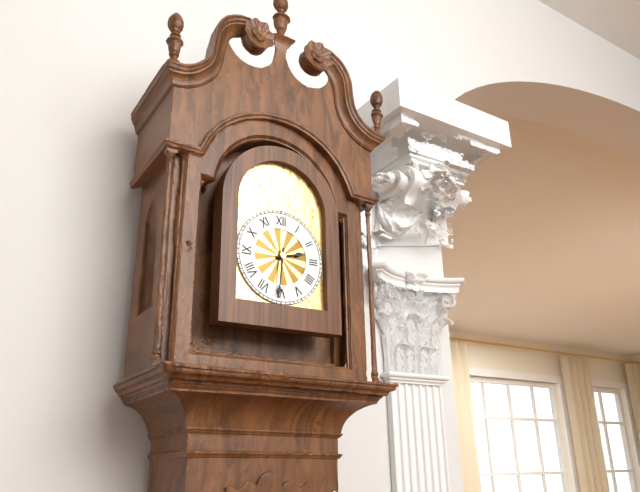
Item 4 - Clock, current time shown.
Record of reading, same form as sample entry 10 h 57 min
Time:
2 h 31 min
